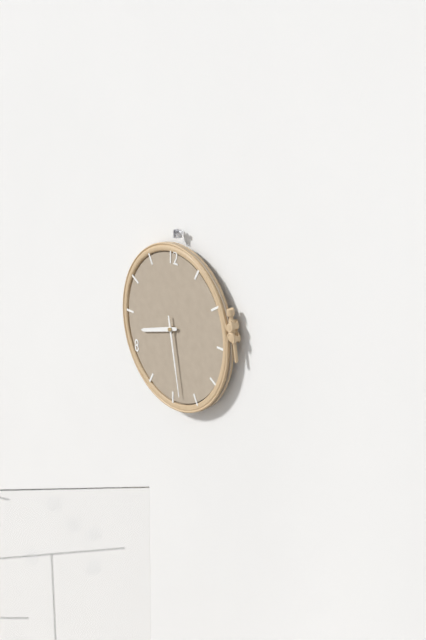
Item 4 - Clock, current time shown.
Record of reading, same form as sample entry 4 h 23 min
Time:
8 h 28 min
